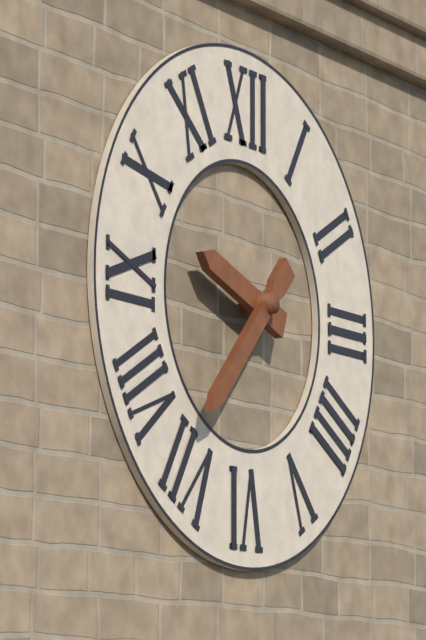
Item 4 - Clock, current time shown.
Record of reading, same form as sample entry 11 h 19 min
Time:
9 h 37 min
